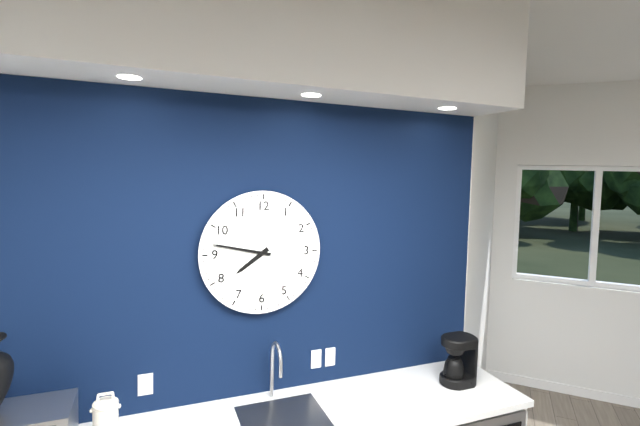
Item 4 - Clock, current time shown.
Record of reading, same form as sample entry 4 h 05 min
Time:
7 h 47 min
